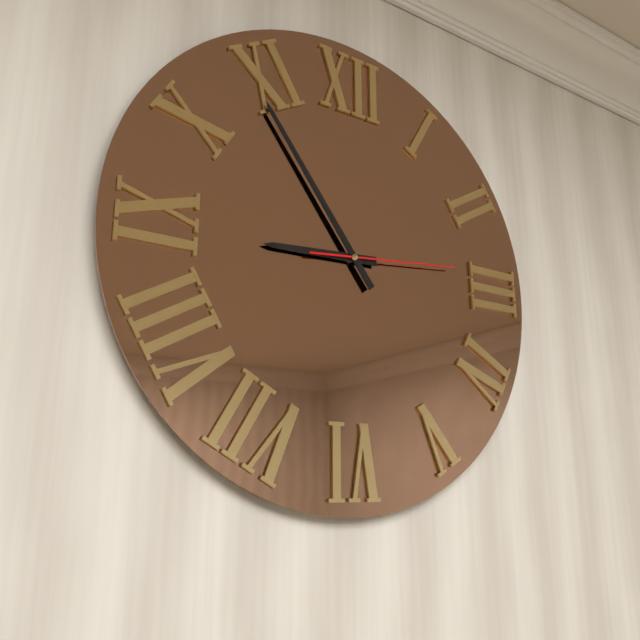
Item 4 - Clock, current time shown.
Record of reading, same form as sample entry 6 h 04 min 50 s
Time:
8 h 54 min 14 s
